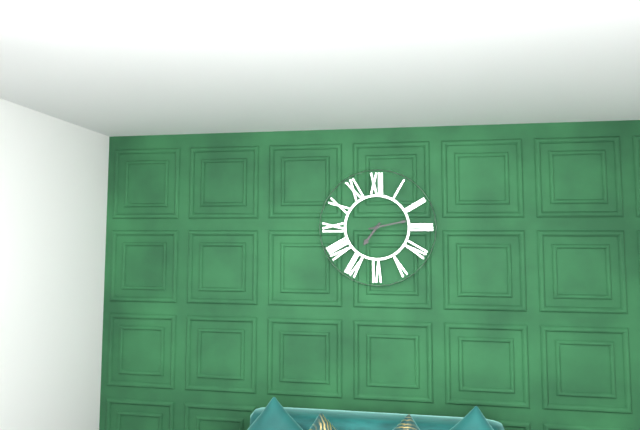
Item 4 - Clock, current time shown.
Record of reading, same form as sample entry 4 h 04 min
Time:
7 h 13 min
